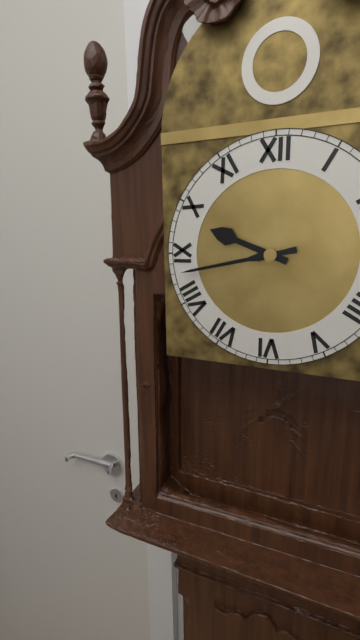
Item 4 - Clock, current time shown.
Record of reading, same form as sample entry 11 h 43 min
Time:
9 h 43 min
